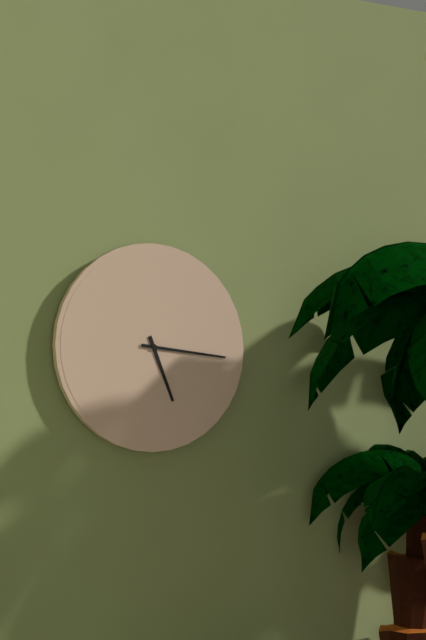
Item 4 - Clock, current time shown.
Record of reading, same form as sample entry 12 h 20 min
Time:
5 h 16 min
